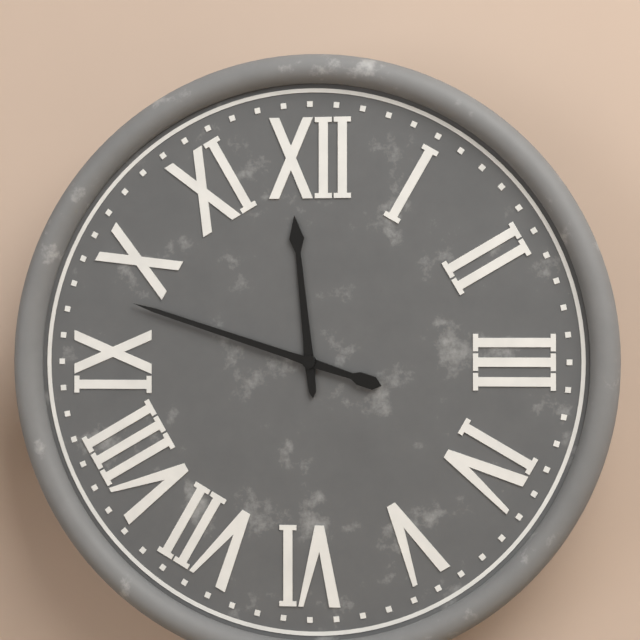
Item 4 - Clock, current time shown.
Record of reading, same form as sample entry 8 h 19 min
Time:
11 h 48 min
